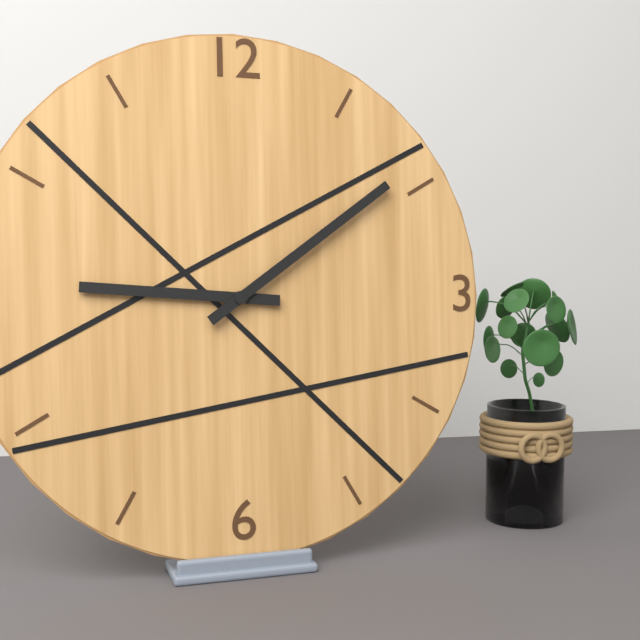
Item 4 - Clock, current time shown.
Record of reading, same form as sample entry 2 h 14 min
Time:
9 h 09 min
